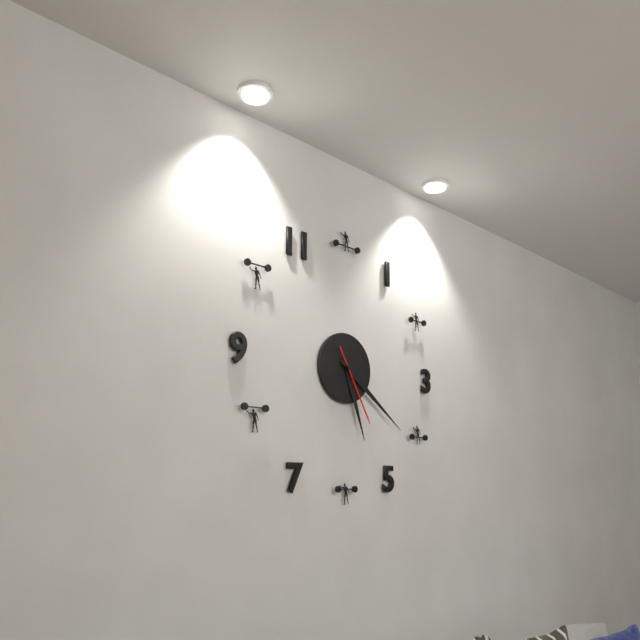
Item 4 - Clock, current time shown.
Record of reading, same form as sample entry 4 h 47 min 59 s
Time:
5 h 21 min 25 s
